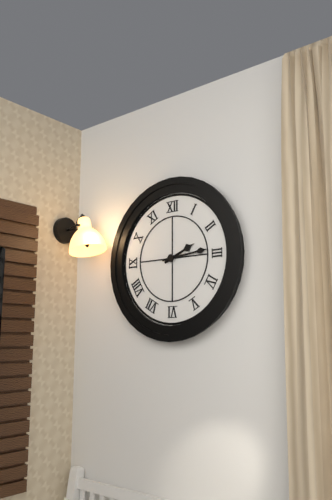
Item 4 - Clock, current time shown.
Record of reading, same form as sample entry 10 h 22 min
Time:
2 h 14 min
